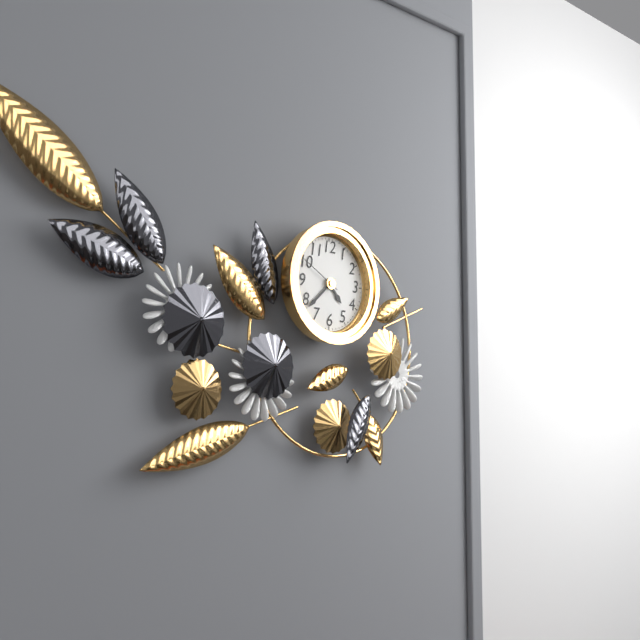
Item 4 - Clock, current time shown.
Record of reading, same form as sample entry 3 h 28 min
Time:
4 h 38 min
